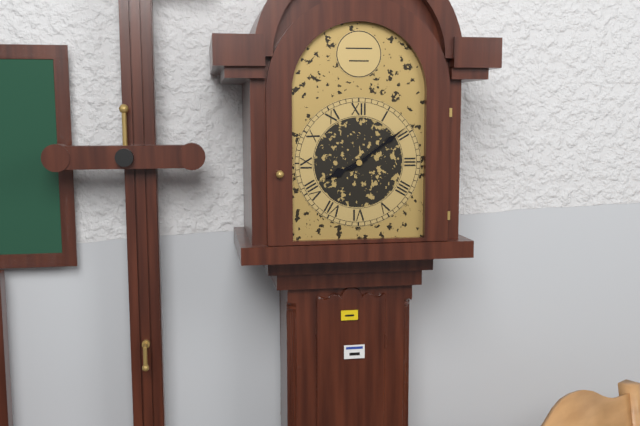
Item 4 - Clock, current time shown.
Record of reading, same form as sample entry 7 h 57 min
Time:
8 h 09 min
